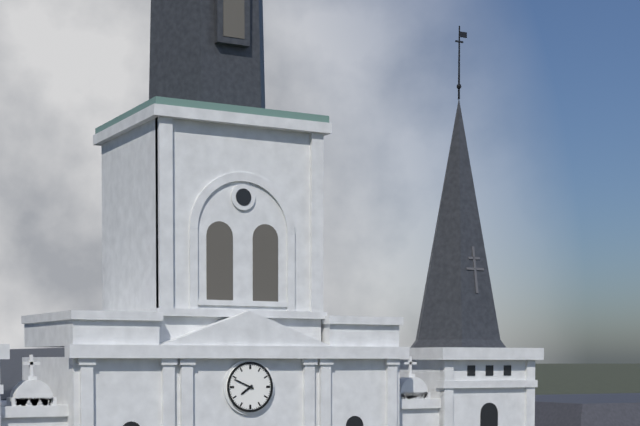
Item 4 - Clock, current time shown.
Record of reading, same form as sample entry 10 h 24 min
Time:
7 h 49 min
